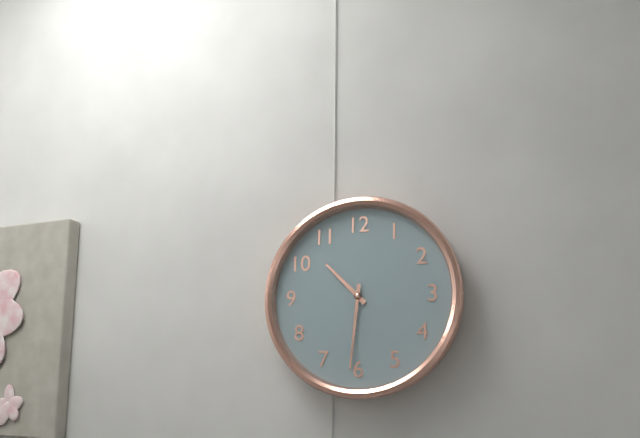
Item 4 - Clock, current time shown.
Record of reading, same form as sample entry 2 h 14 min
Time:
10 h 31 min
